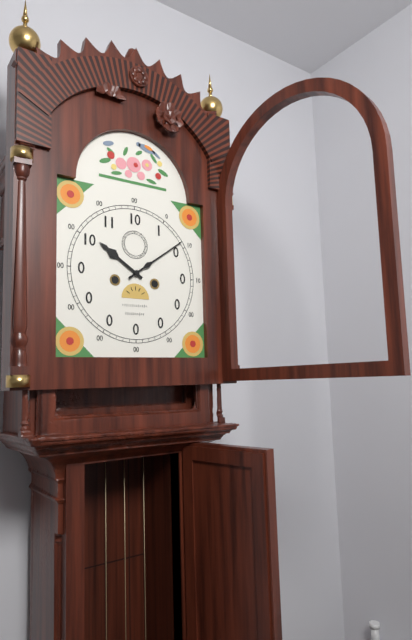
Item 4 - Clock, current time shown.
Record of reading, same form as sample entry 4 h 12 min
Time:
10 h 09 min
